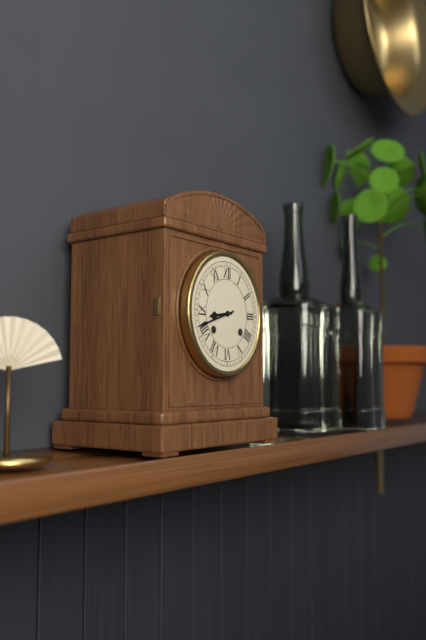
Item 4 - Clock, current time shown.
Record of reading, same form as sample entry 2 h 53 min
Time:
8 h 42 min
